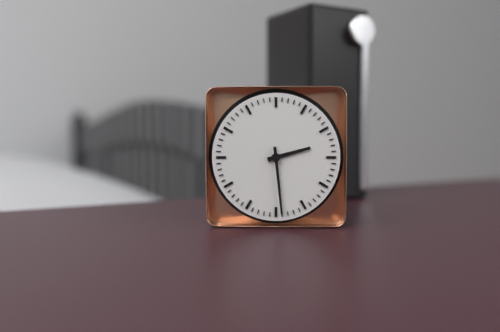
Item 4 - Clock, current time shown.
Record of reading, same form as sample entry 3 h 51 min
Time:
2 h 29 min
